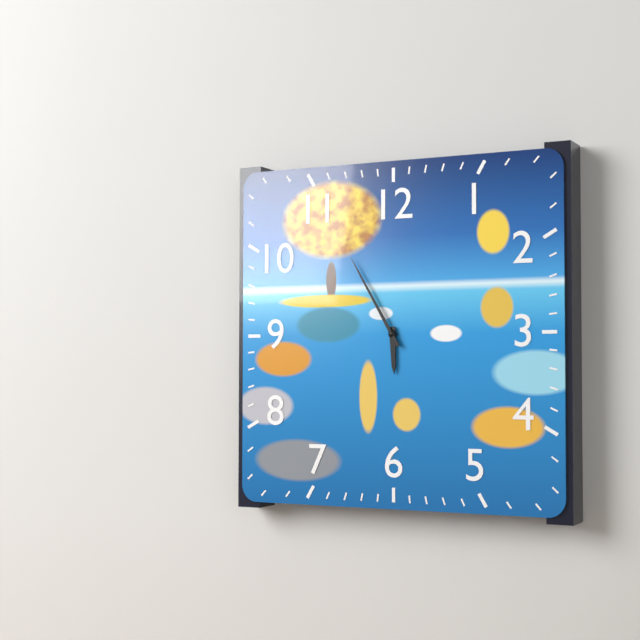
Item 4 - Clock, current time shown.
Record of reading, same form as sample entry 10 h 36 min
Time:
5 h 55 min
